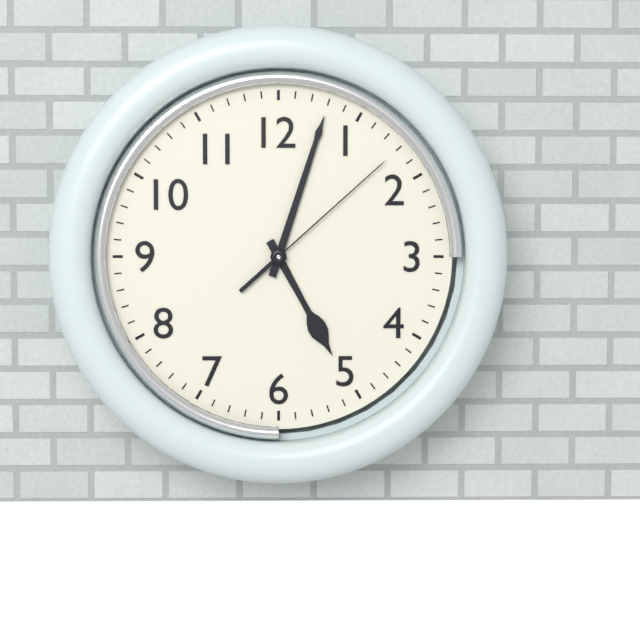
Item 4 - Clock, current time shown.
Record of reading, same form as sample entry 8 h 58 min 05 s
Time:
5 h 03 min 08 s
